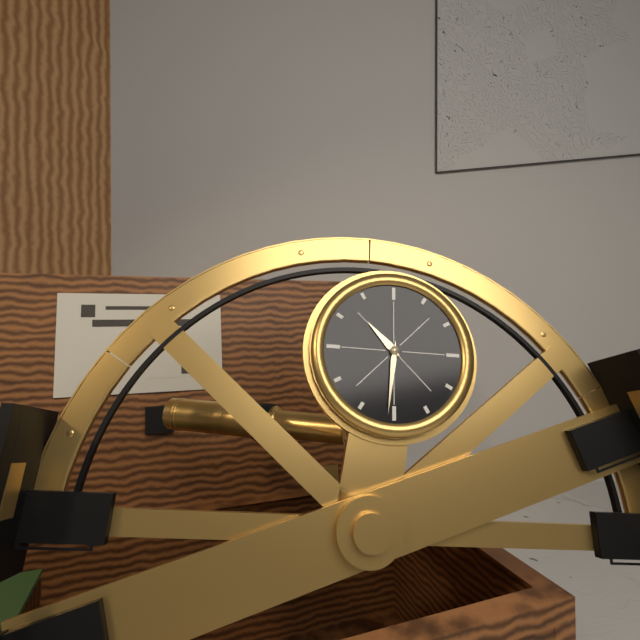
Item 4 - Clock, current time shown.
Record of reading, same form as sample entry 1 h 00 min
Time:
10 h 31 min
